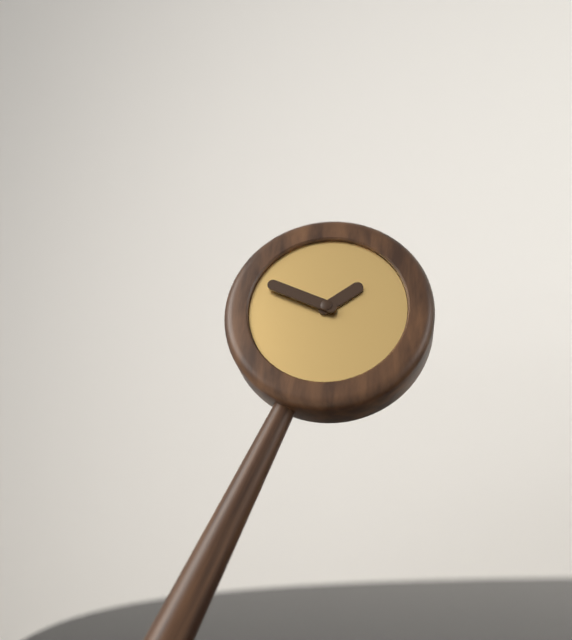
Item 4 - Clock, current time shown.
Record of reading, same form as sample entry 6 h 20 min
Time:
1 h 49 min
